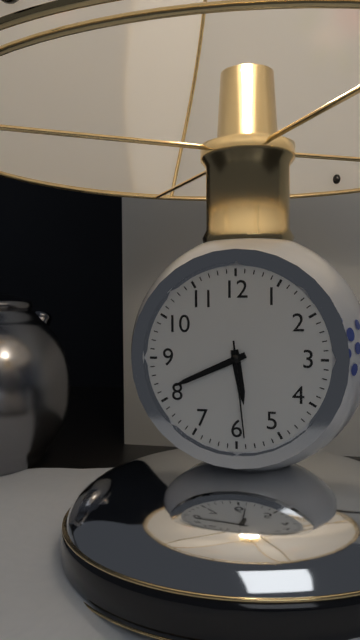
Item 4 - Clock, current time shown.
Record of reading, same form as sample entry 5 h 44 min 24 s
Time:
5 h 41 min 29 s
